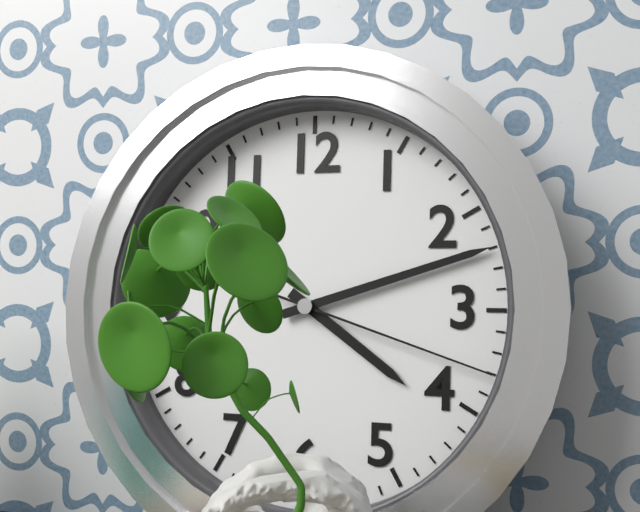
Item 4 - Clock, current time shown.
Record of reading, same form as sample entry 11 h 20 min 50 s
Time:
4 h 12 min 18 s
